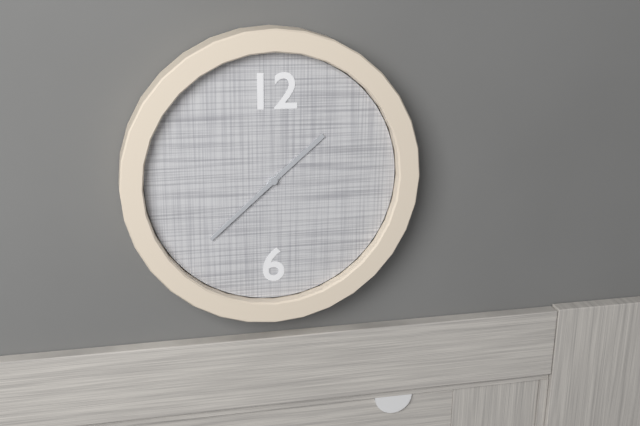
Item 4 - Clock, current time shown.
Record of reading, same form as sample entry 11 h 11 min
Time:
1 h 38 min
